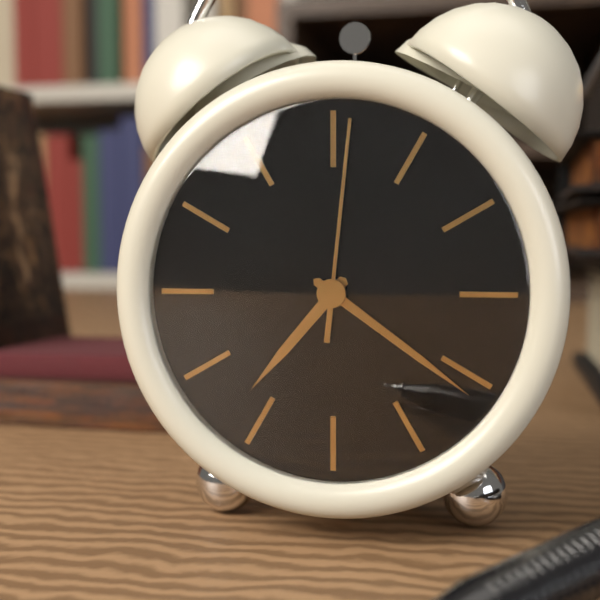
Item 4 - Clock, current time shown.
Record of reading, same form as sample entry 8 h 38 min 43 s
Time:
7 h 21 min 01 s
